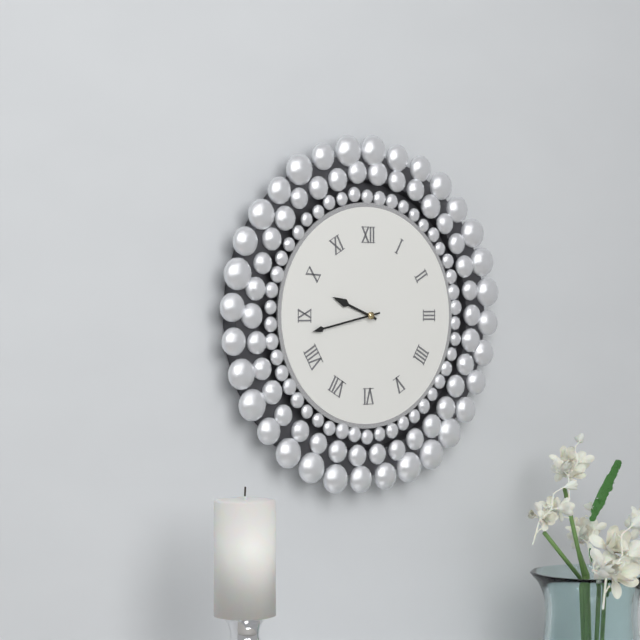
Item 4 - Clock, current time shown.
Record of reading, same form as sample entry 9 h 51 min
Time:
9 h 43 min
